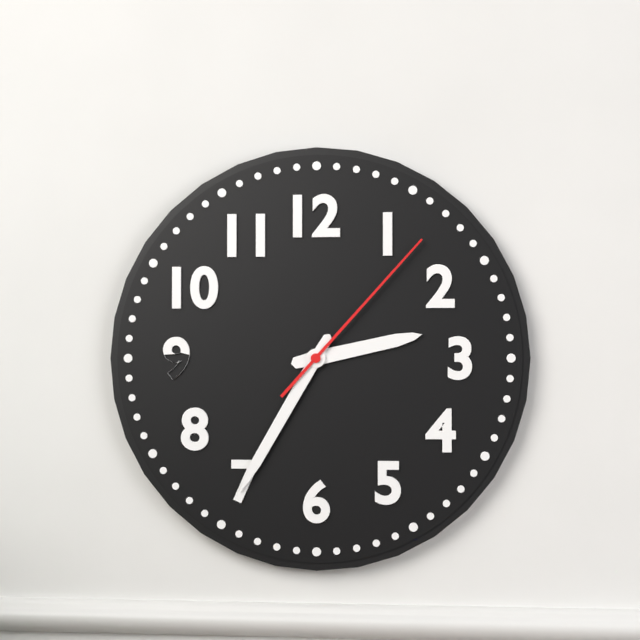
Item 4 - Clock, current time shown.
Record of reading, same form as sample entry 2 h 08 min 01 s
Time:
2 h 35 min 07 s
